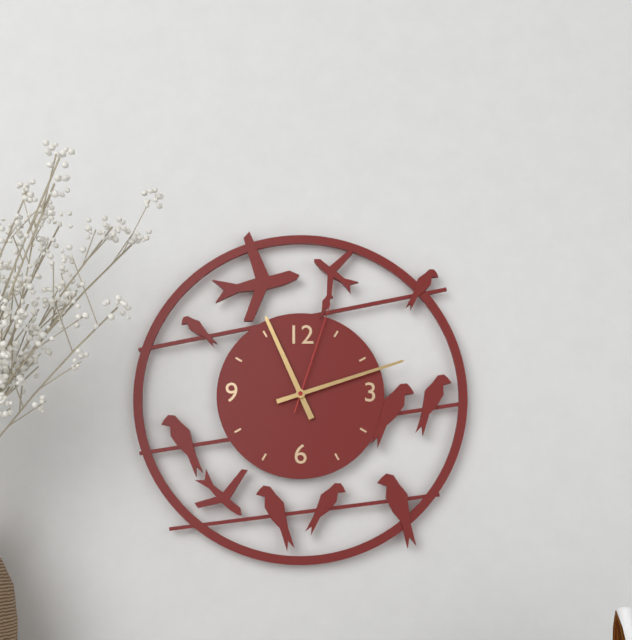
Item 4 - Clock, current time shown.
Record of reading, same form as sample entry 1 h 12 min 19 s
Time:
11 h 12 min 03 s
